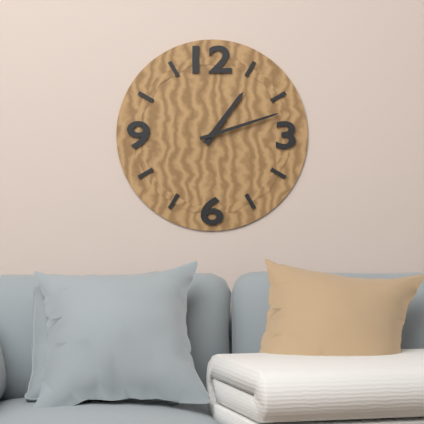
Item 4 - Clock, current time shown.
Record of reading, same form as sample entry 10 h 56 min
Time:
1 h 12 min
